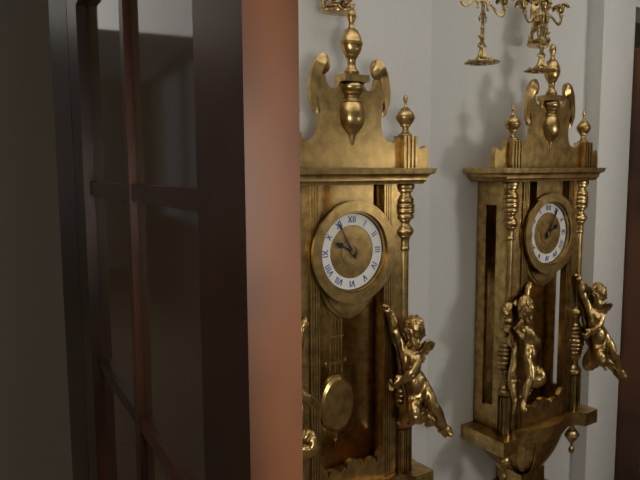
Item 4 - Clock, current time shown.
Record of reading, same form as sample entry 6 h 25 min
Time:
9 h 55 min
